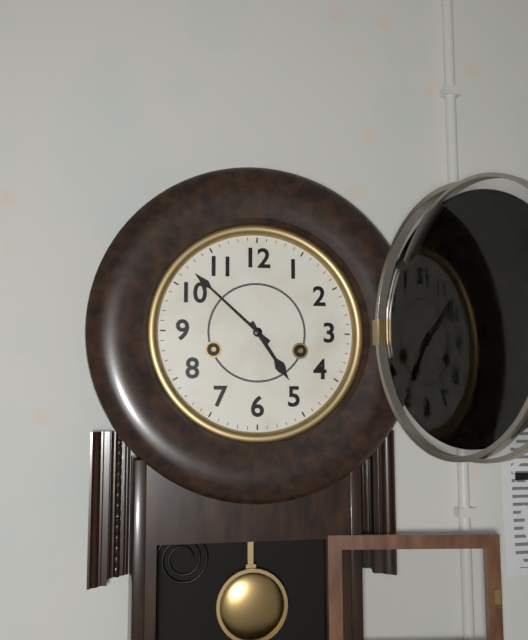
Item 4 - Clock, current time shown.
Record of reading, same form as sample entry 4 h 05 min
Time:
4 h 52 min
